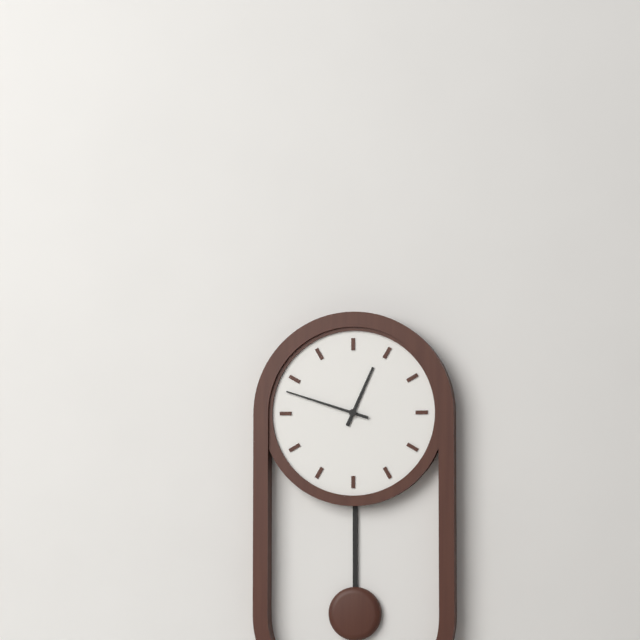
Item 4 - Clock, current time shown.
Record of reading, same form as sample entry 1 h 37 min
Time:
12 h 48 min
